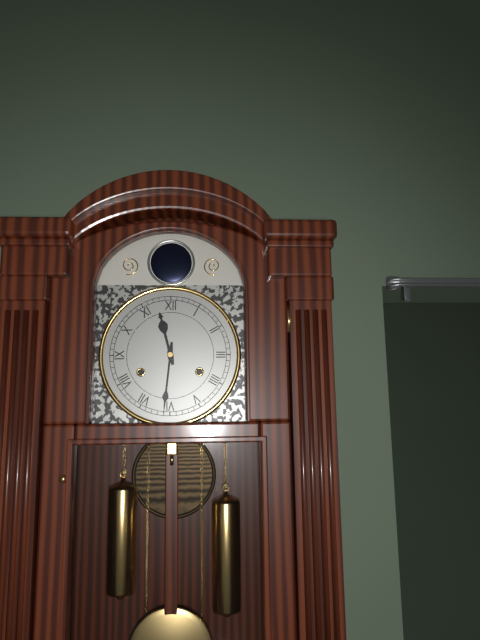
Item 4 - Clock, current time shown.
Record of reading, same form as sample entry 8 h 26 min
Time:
11 h 31 min
